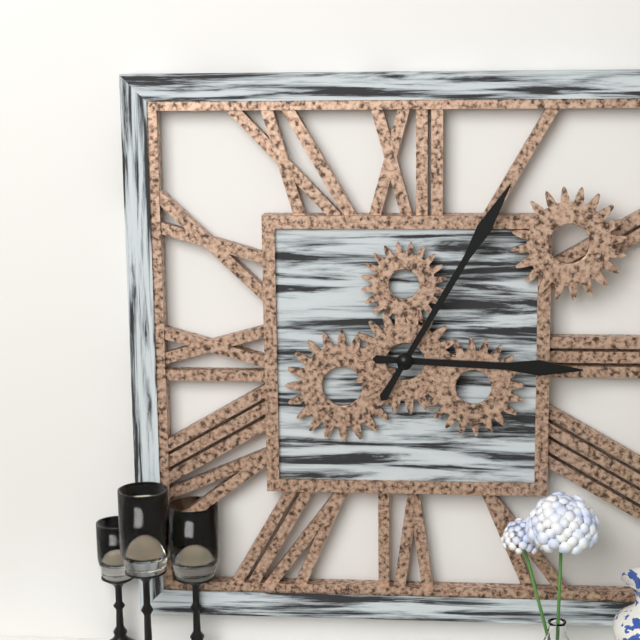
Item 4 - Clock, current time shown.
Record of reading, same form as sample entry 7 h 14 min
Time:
3 h 05 min
